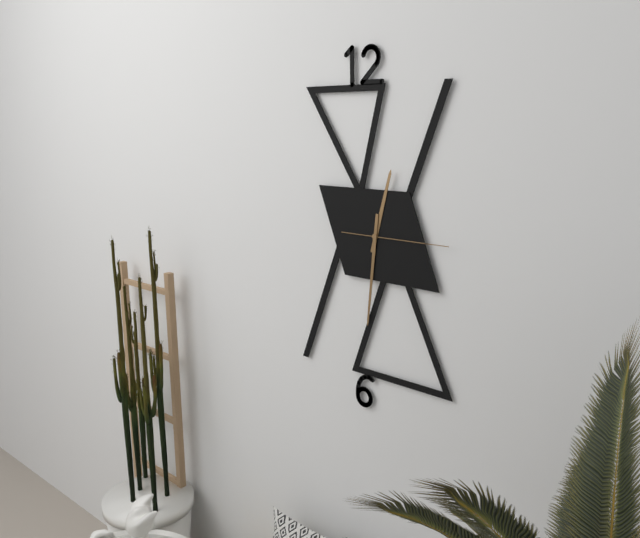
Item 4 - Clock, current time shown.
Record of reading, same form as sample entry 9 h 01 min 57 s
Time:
12 h 31 min 15 s
